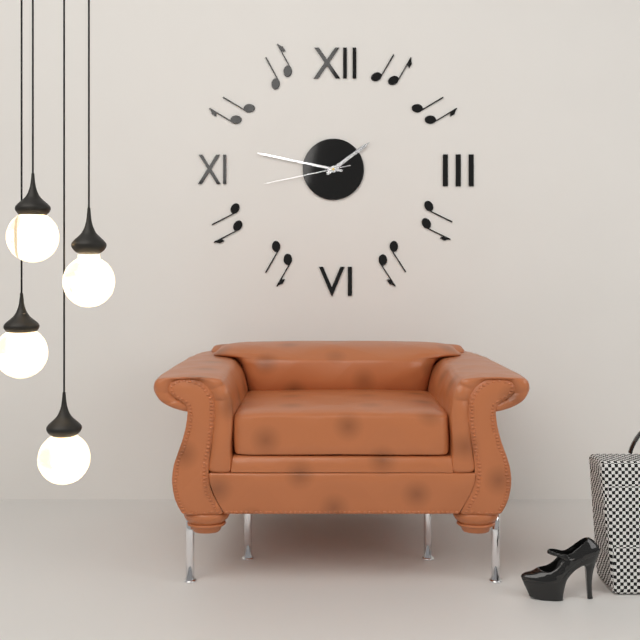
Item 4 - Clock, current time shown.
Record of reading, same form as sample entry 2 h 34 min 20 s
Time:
1 h 47 min 43 s
